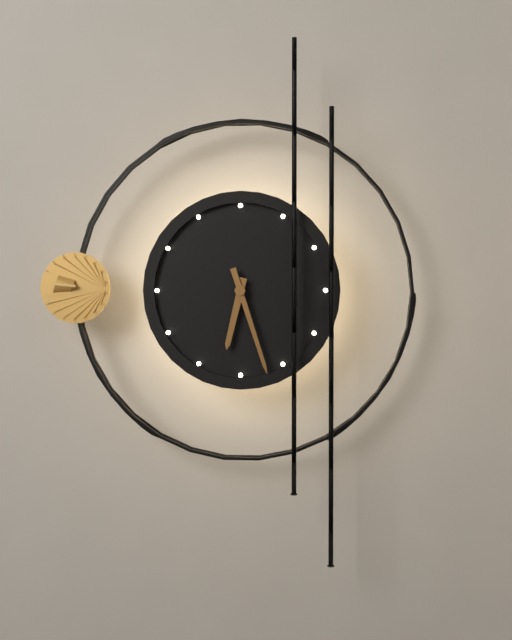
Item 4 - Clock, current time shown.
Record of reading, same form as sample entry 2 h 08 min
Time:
6 h 27 min
